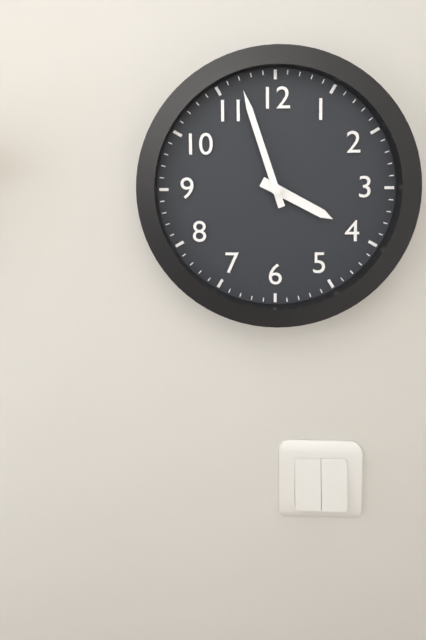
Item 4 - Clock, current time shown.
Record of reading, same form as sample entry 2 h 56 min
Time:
3 h 57 min
